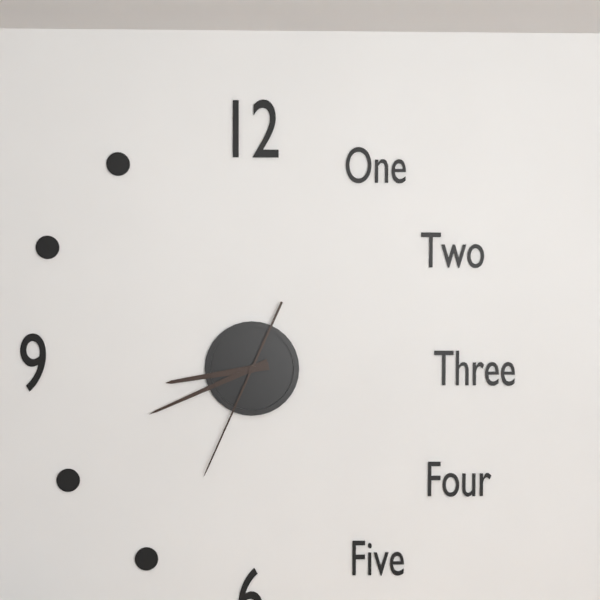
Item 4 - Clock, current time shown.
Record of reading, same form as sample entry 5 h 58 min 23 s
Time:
8 h 41 min 34 s
